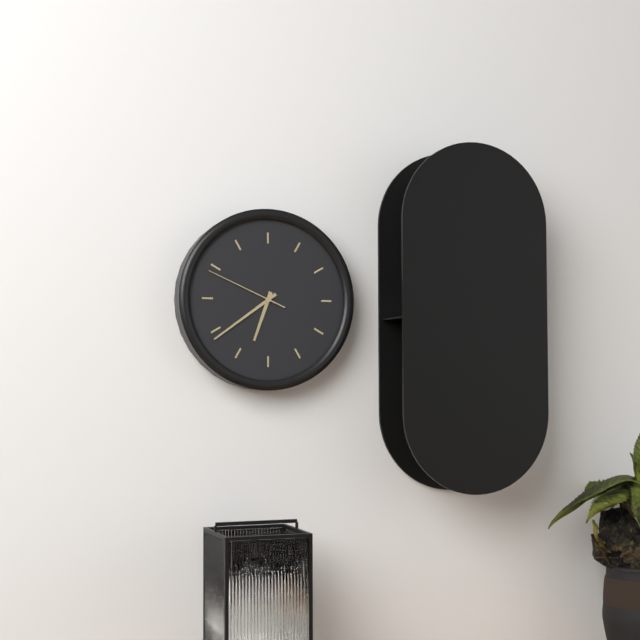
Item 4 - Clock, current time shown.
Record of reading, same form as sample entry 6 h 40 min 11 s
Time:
6 h 39 min 49 s
